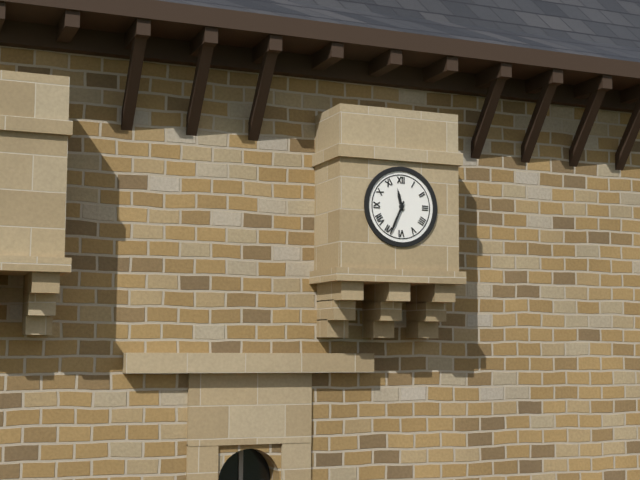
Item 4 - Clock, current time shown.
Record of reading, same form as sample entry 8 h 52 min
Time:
11 h 34 min
